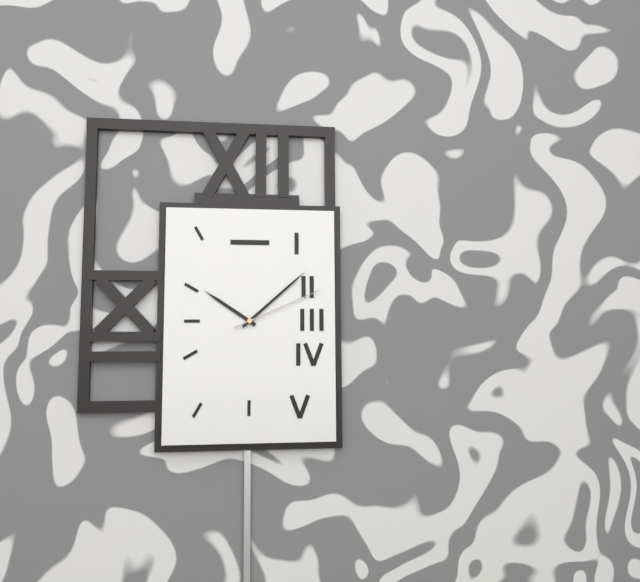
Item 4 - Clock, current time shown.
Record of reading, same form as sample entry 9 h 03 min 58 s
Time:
10 h 08 min 11 s
